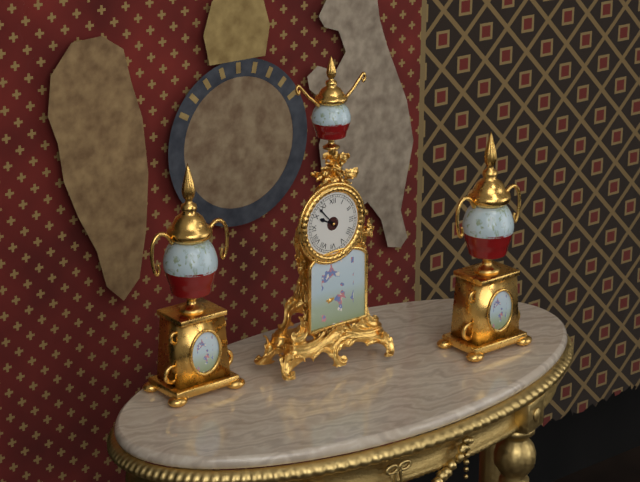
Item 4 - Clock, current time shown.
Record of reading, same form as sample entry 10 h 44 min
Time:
9 h 53 min
